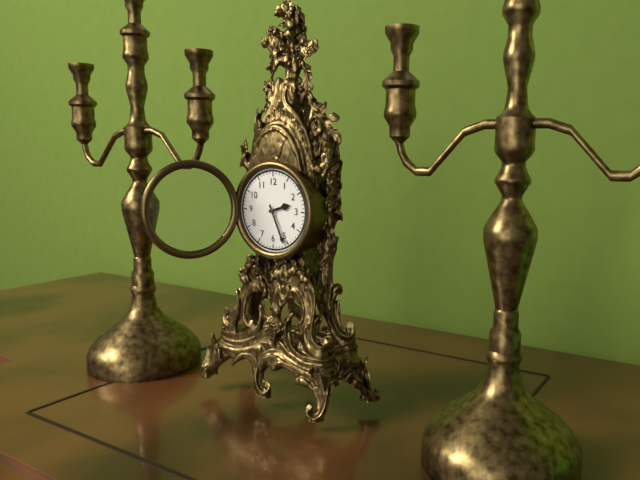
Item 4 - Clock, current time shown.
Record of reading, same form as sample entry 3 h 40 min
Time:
2 h 26 min
